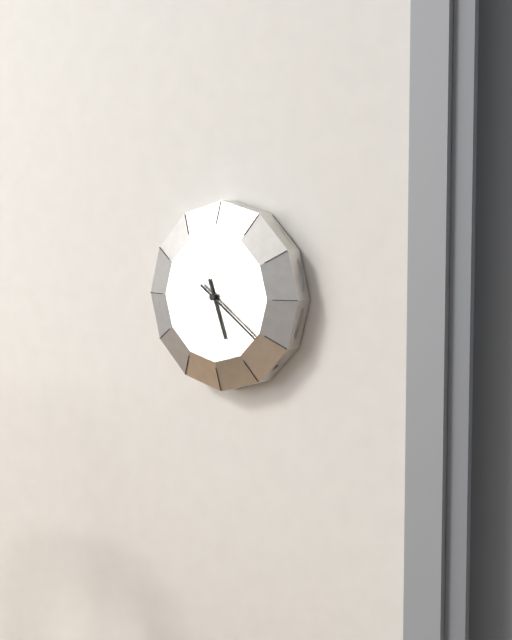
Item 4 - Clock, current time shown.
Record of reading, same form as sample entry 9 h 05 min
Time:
5 h 21 min
